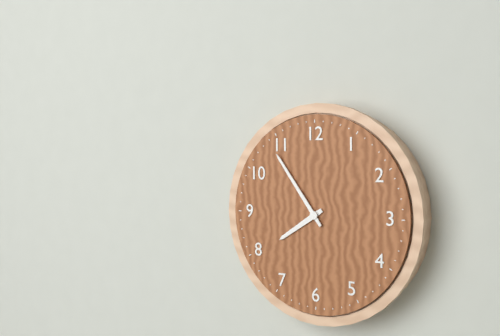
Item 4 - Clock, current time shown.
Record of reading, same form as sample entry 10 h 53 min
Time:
7 h 54 min
